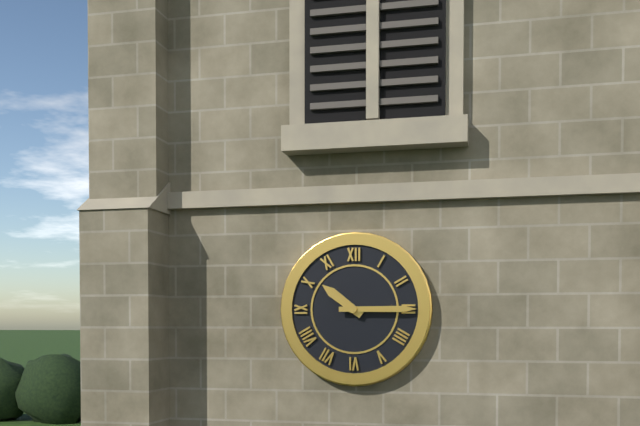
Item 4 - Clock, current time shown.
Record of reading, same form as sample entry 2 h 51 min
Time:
10 h 15 min
